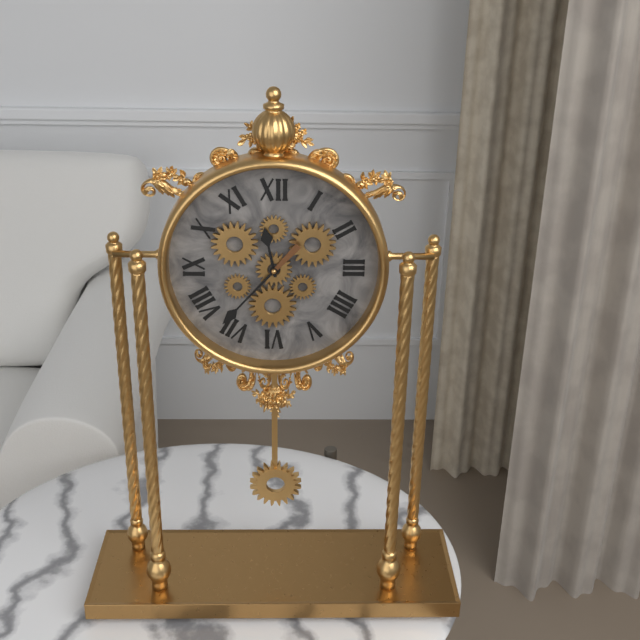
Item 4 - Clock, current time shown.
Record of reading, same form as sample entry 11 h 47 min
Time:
11 h 37 min
